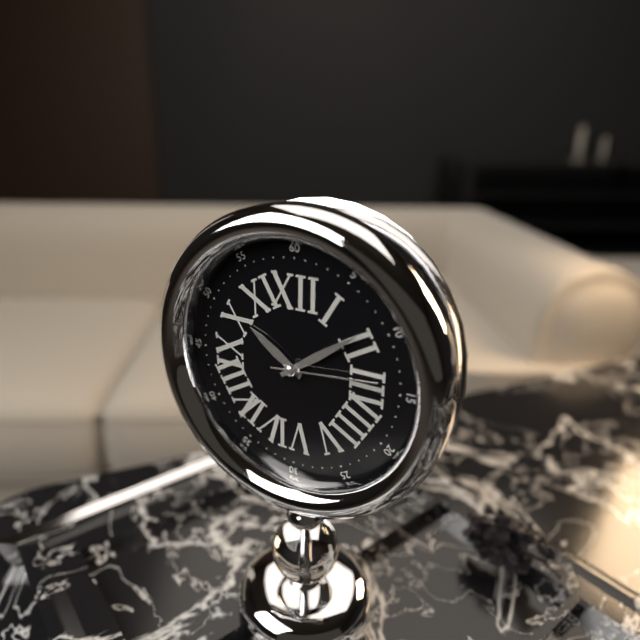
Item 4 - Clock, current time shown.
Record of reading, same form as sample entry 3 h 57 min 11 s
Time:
10 h 09 min 14 s
